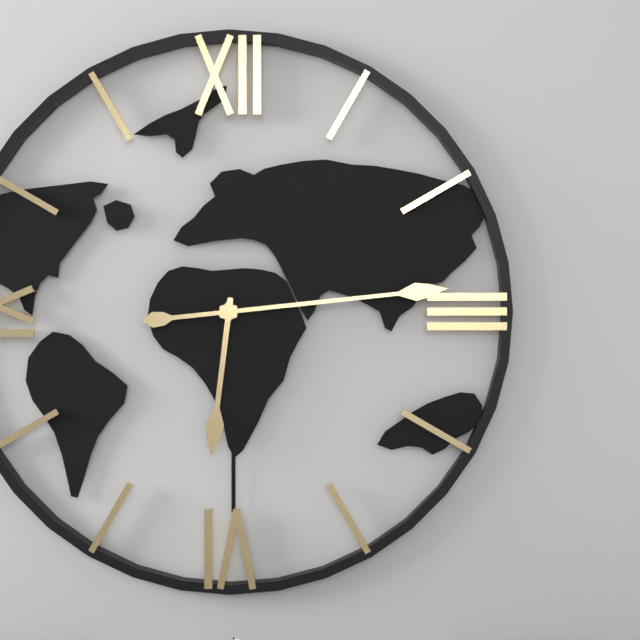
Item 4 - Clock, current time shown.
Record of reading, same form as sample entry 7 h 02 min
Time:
6 h 14 min
